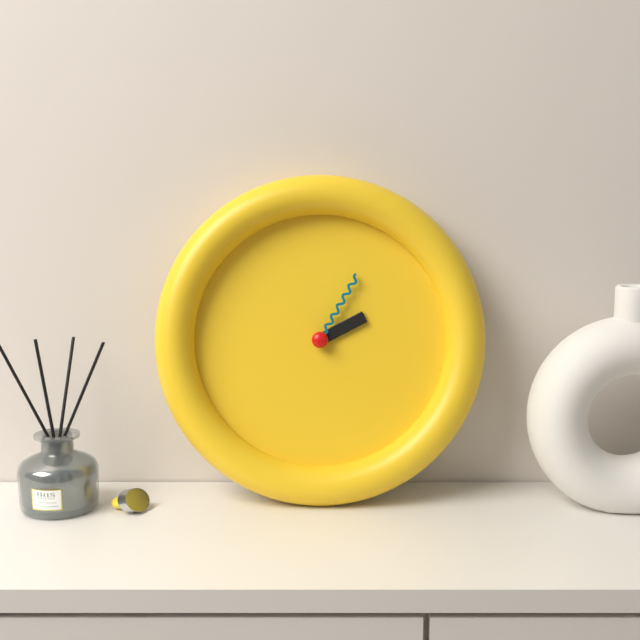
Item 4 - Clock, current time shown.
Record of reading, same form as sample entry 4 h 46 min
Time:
2 h 05 min
